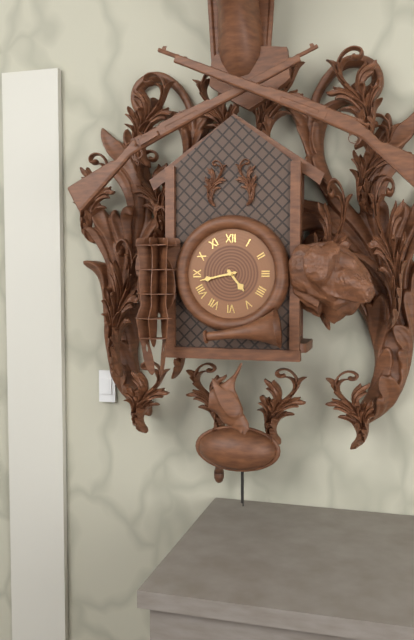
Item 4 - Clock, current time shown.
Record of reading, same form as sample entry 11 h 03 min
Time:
4 h 43 min
